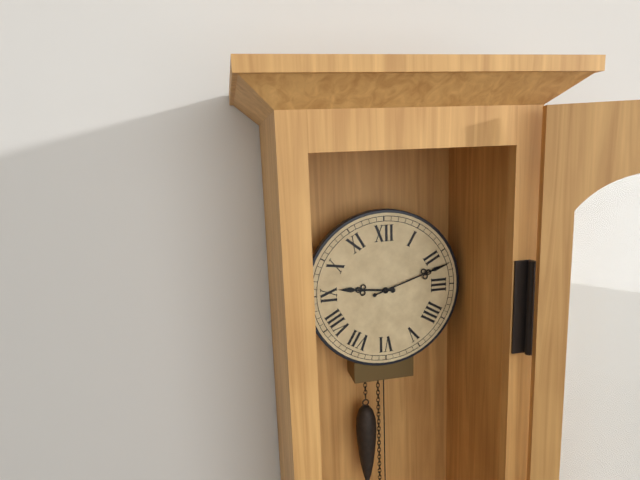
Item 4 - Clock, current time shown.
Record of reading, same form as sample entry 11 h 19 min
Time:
9 h 12 min
